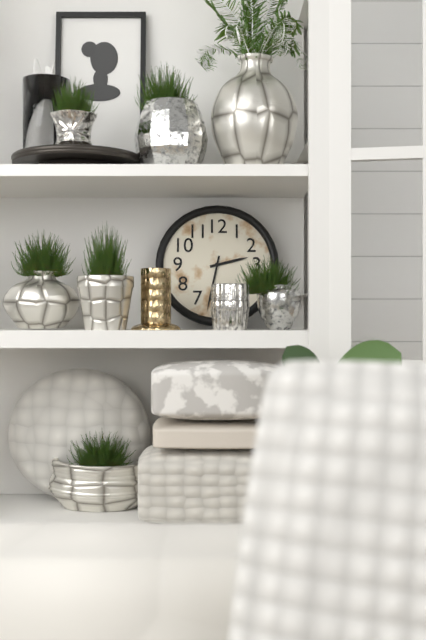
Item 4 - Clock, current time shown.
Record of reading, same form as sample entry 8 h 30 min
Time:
2 h 32 min
